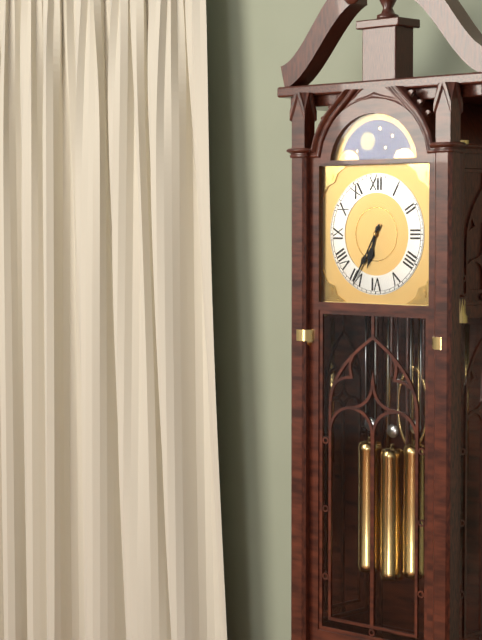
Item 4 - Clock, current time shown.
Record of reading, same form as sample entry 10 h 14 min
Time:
6 h 35 min
